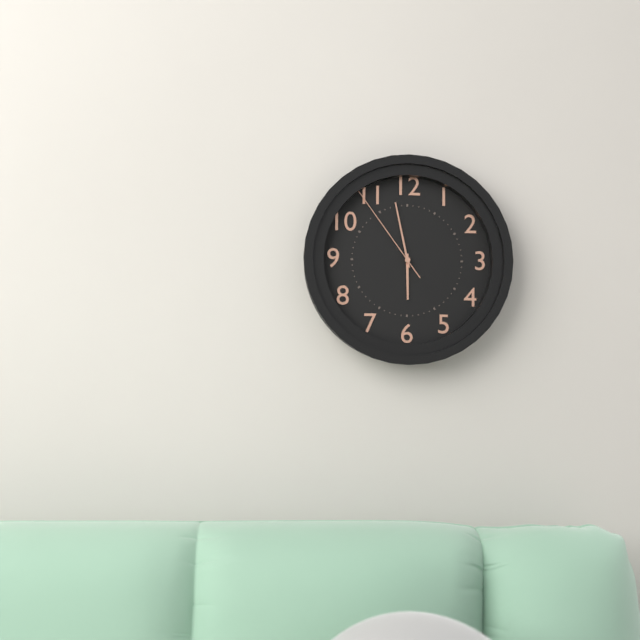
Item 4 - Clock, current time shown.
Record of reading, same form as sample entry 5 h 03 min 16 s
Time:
5 h 58 min 54 s
